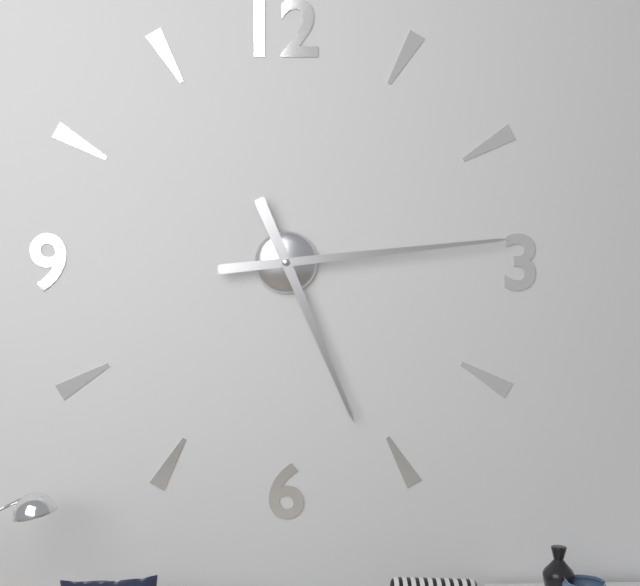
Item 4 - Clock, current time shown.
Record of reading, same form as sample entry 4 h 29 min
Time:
5 h 14 min
